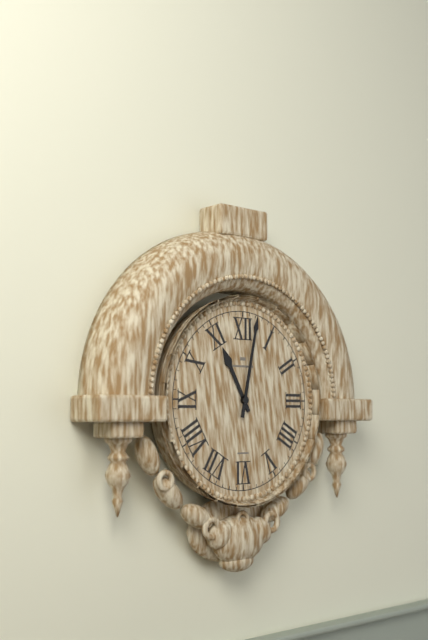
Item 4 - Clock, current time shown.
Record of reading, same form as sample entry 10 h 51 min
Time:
11 h 02 min
